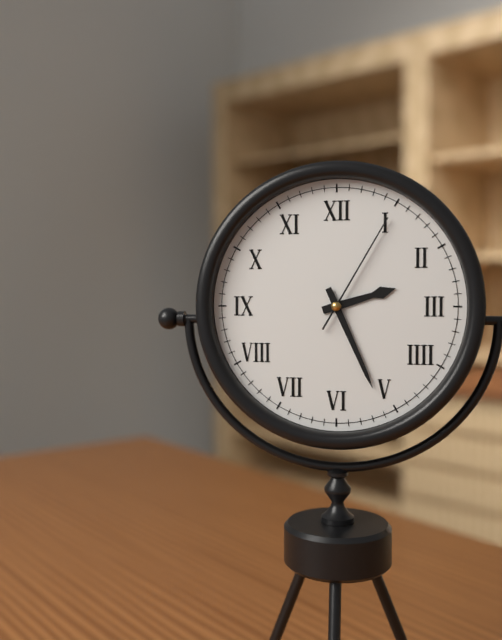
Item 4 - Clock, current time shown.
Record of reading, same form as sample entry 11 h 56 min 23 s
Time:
2 h 26 min 05 s
